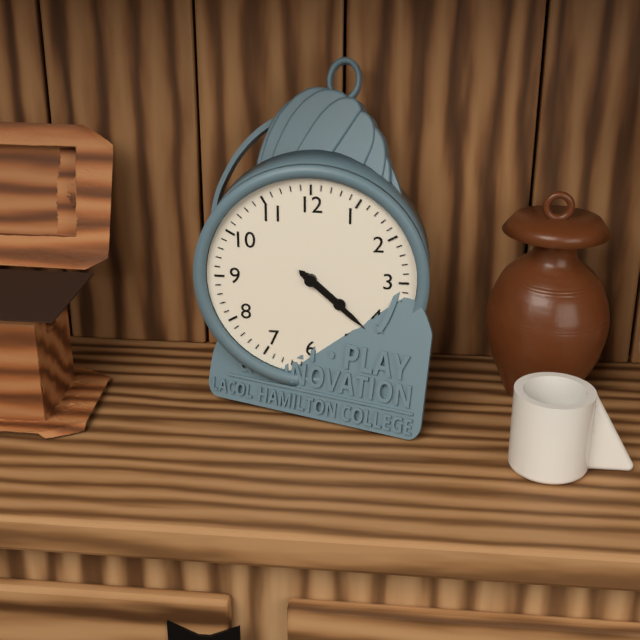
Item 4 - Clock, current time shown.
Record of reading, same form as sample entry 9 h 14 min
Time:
4 h 22 min
